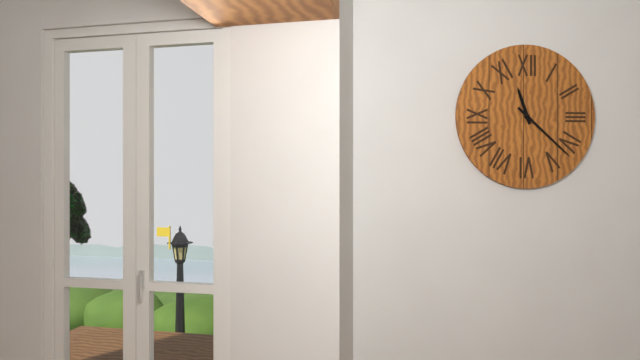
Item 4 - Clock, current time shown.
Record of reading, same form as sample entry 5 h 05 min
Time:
11 h 22 min
